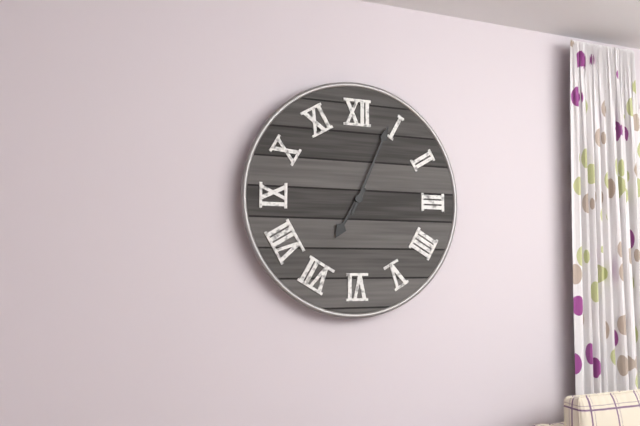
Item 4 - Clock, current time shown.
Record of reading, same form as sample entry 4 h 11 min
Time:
7 h 04 min
